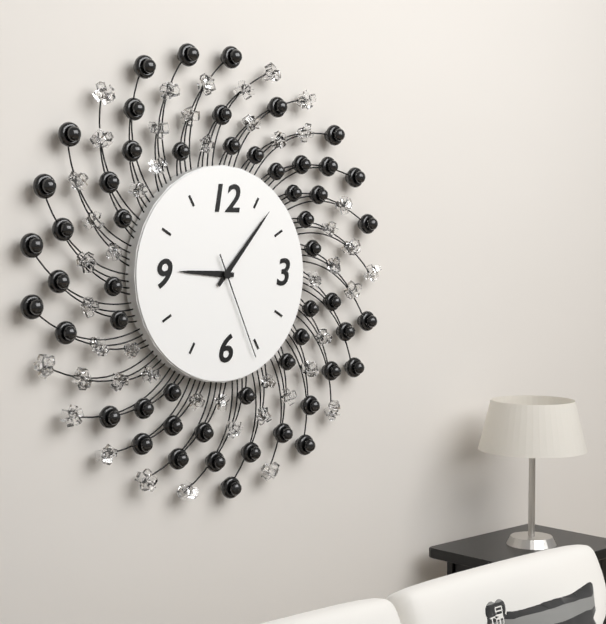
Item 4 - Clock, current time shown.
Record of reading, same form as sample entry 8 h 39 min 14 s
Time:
9 h 07 min 26 s
